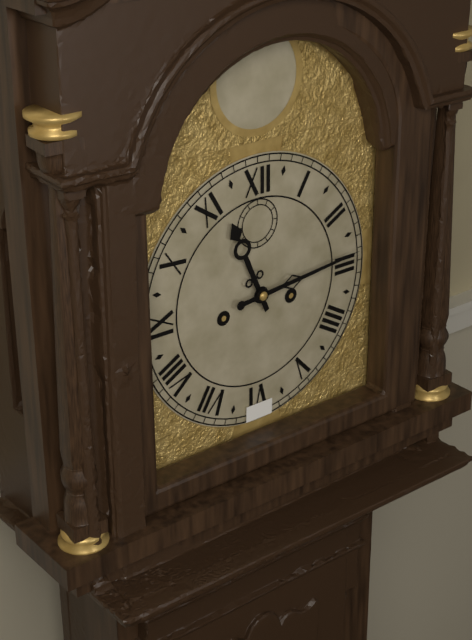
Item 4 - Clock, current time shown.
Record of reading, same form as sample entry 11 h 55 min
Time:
11 h 14 min
